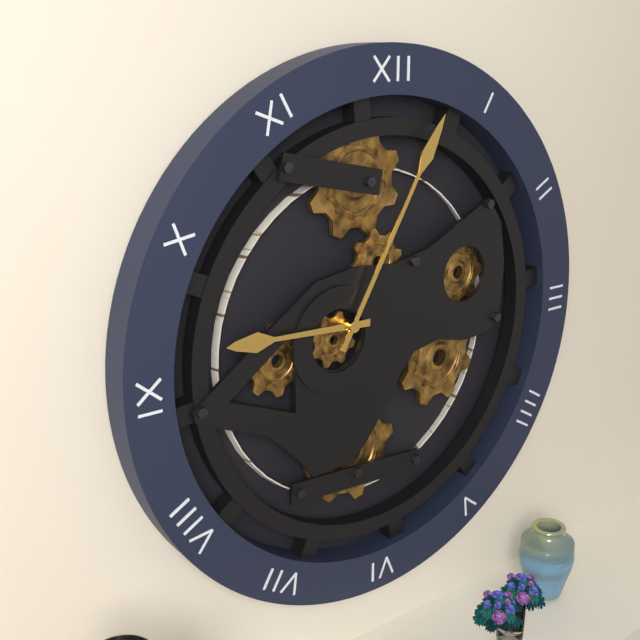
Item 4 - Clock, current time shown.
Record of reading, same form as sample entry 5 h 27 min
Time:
9 h 05 min
